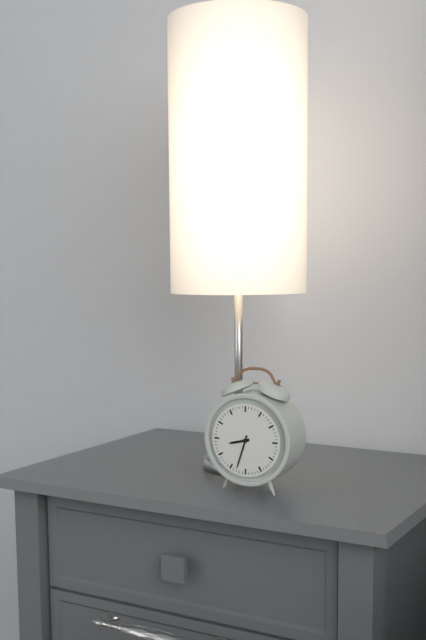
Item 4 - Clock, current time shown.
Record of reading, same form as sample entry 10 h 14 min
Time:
8 h 33 min
